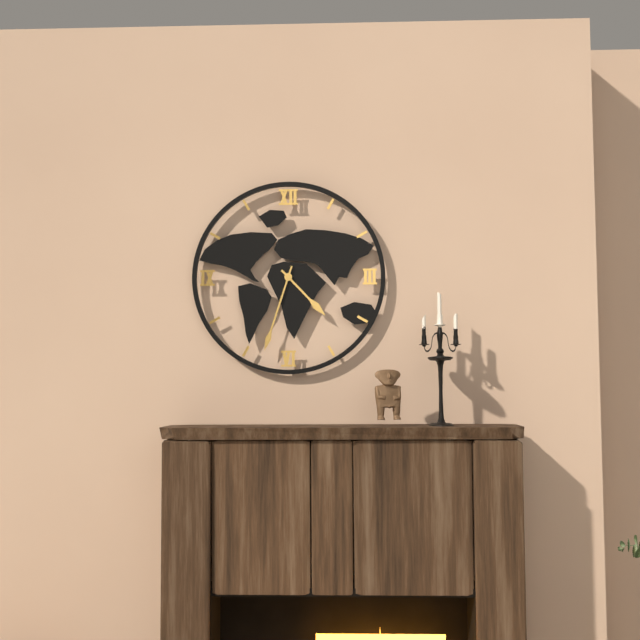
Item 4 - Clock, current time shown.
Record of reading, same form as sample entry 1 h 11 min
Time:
4 h 33 min
